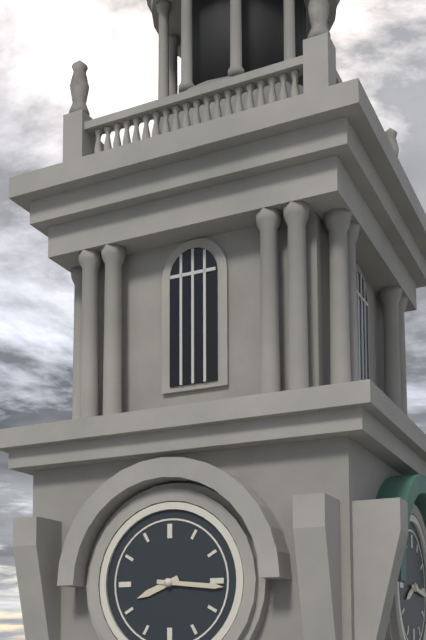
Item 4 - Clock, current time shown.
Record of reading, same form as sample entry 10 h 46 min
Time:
8 h 16 min
